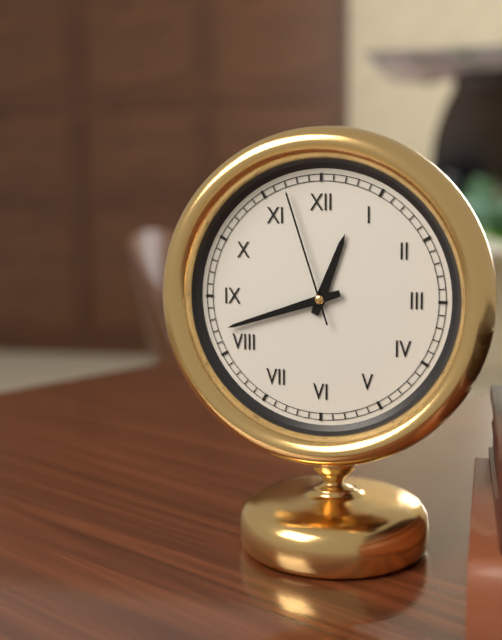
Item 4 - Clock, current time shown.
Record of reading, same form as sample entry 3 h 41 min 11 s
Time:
12 h 42 min 57 s
